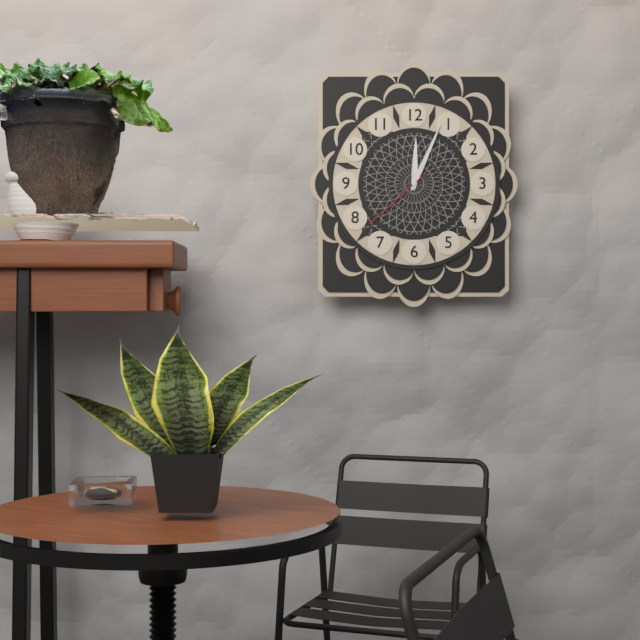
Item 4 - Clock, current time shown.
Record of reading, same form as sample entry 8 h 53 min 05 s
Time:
12 h 04 min 38 s
